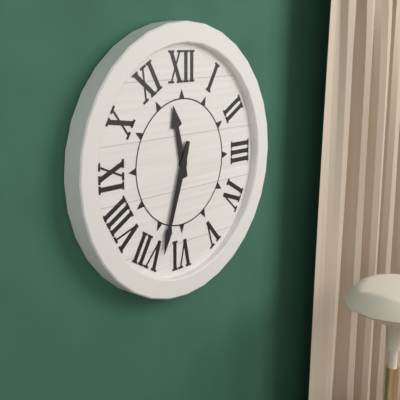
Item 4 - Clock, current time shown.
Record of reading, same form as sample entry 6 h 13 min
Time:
11 h 33 min
